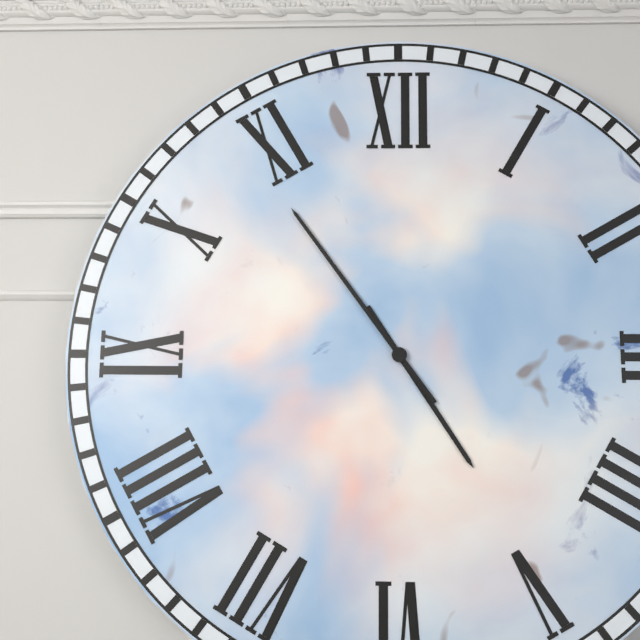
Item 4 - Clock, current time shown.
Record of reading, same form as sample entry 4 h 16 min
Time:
4 h 54 min
